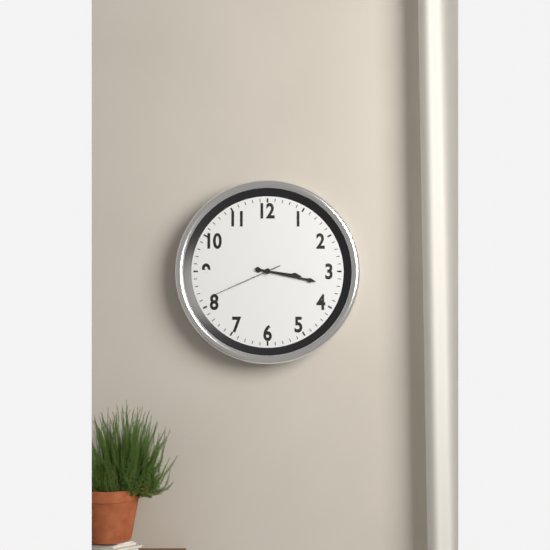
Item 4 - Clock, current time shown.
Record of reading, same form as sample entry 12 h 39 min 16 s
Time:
3 h 17 min 41 s
